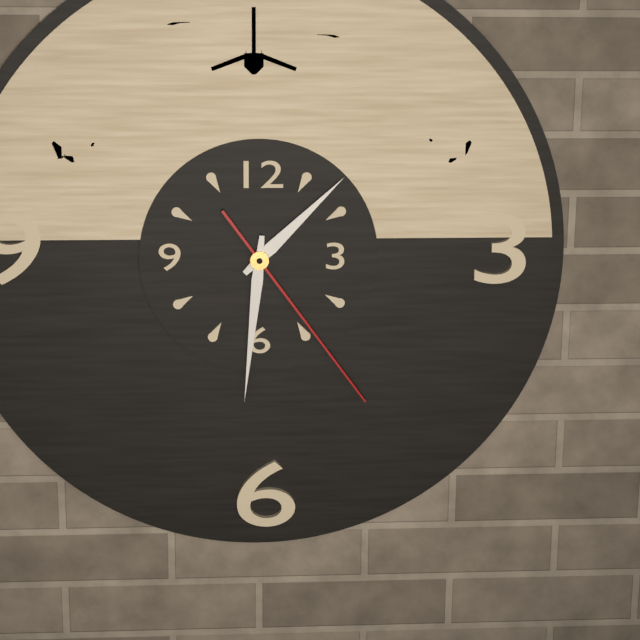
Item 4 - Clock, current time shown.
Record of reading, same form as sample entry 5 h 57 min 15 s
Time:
1 h 31 min 24 s
